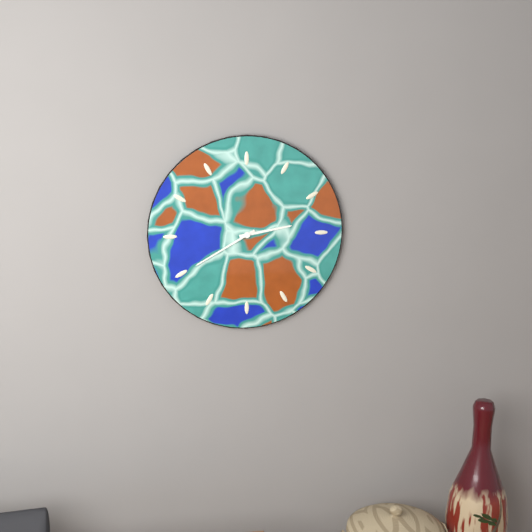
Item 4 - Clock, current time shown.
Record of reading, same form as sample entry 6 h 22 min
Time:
2 h 40 min
